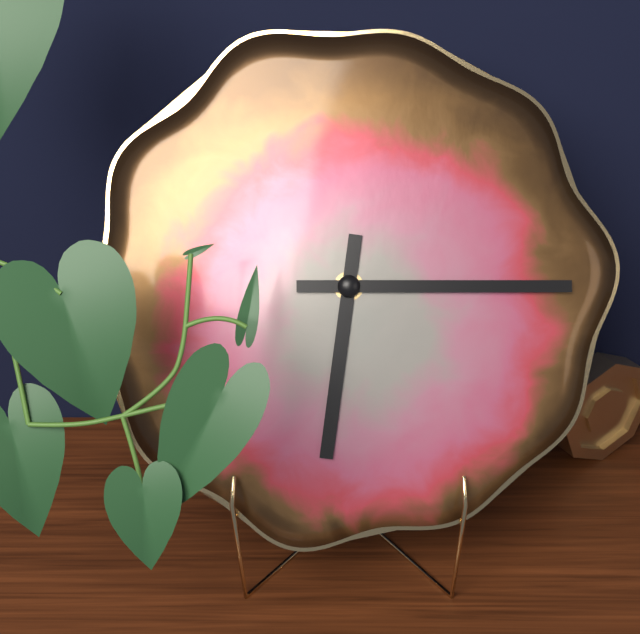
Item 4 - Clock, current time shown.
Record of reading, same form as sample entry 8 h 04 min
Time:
6 h 15 min
